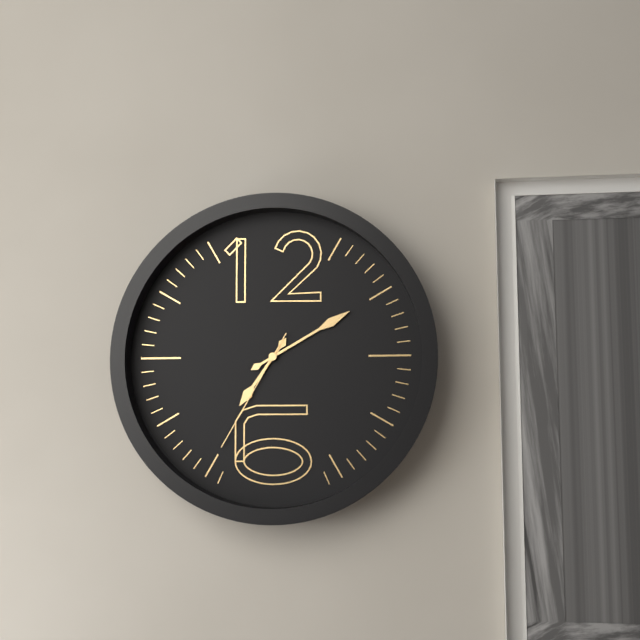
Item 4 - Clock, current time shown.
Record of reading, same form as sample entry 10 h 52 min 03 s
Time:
7 h 10 min 35 s
